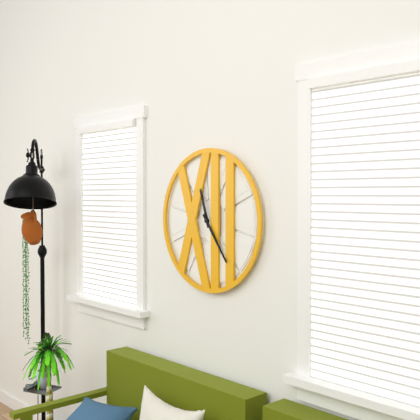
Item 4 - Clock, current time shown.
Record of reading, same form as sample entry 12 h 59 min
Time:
11 h 24 min
